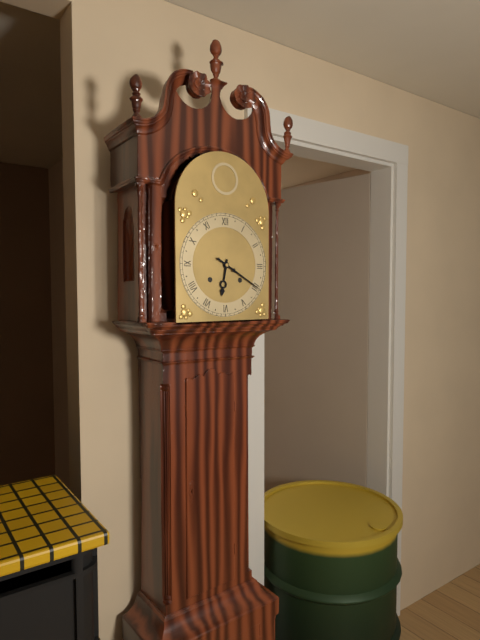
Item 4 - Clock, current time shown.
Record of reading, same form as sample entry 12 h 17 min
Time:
6 h 20 min
